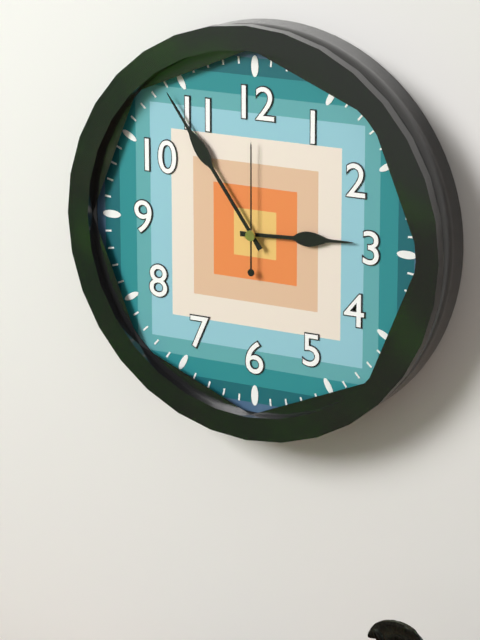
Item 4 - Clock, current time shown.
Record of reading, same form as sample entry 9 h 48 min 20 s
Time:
2 h 54 min 00 s
